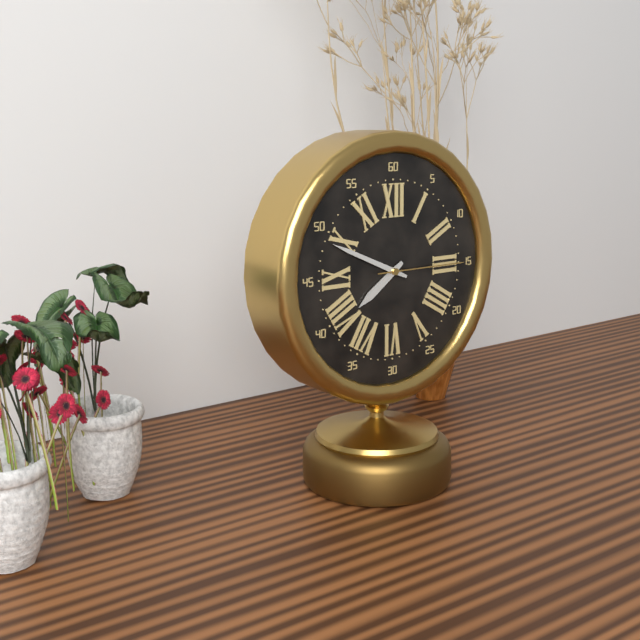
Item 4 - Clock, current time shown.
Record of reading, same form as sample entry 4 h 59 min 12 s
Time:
7 h 49 min 15 s
